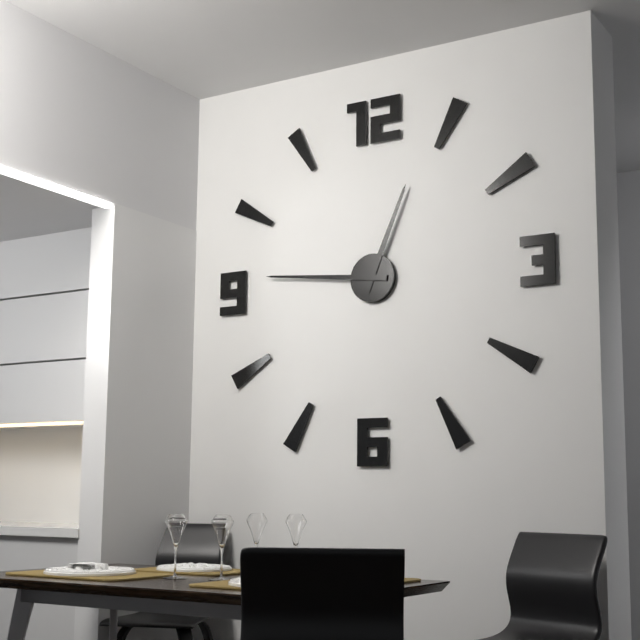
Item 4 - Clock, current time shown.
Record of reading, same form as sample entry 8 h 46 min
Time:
12 h 46 min
